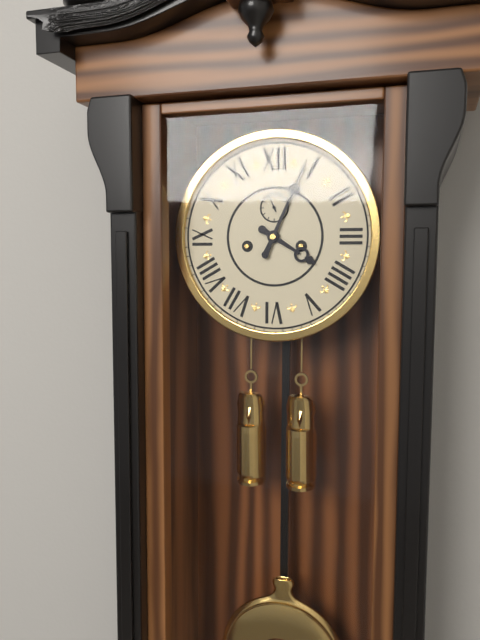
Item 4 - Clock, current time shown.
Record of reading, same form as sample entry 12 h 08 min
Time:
4 h 04 min
